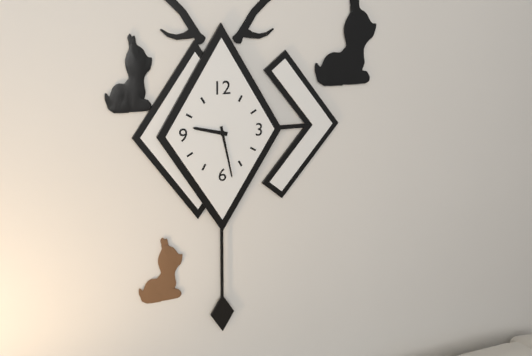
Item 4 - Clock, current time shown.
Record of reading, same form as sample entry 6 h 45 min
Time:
9 h 28 min
